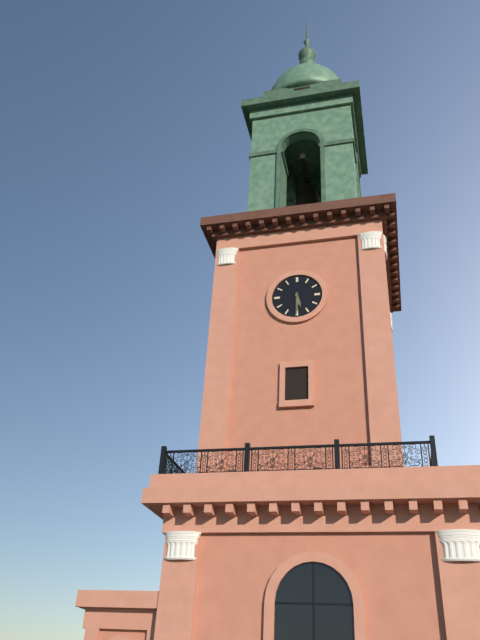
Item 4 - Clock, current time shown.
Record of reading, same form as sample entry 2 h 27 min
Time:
5 h 30 min
